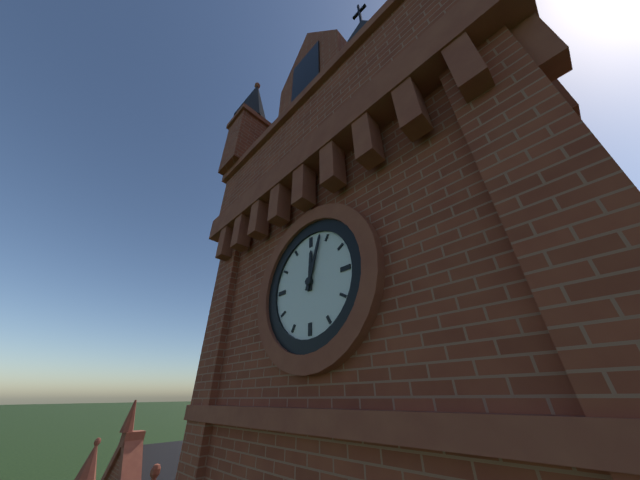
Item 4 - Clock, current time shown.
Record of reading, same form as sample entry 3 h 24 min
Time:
12 h 03 min
